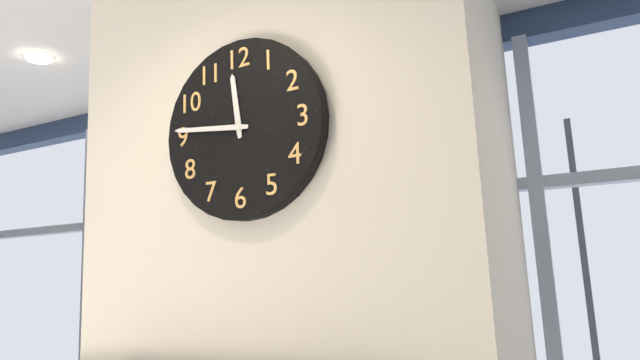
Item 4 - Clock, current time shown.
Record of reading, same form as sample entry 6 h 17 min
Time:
11 h 46 min
